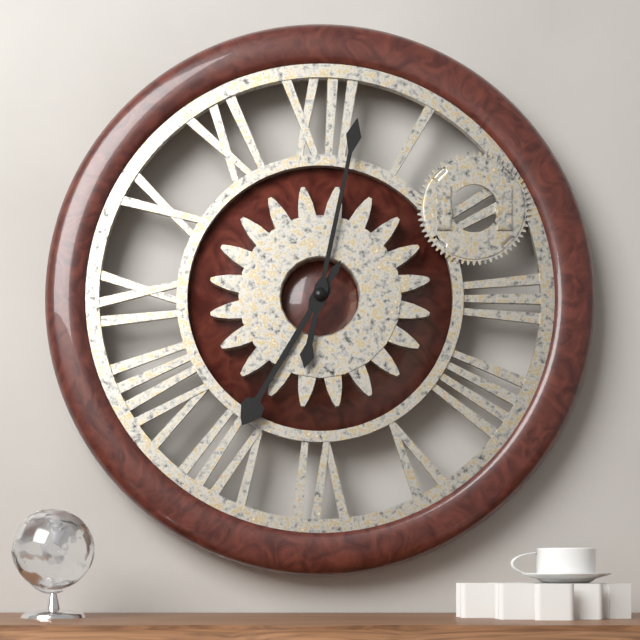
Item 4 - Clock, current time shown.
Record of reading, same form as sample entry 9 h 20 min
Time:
7 h 02 min
